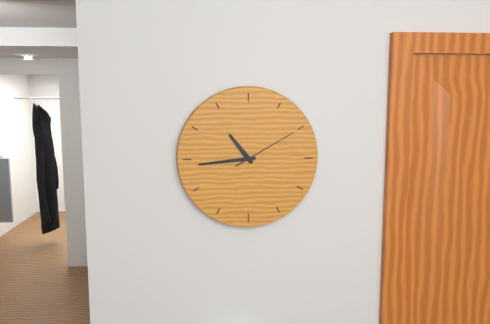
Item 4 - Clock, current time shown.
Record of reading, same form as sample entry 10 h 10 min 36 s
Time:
10 h 44 min 10 s
